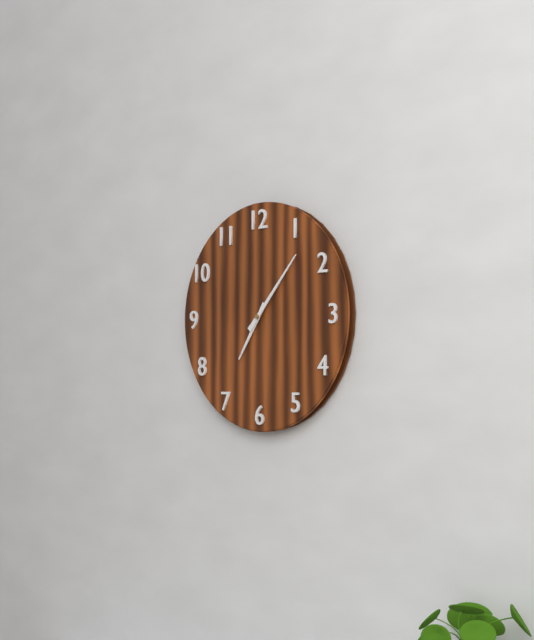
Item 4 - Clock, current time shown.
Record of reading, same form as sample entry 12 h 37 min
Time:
7 h 07 min
